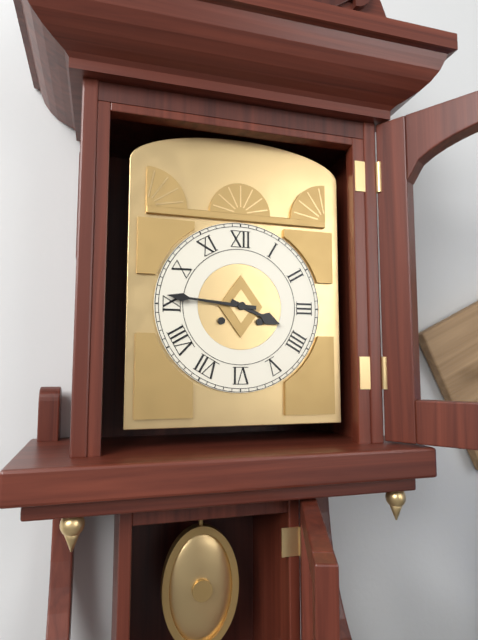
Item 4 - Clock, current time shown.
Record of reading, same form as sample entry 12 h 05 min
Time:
3 h 46 min
